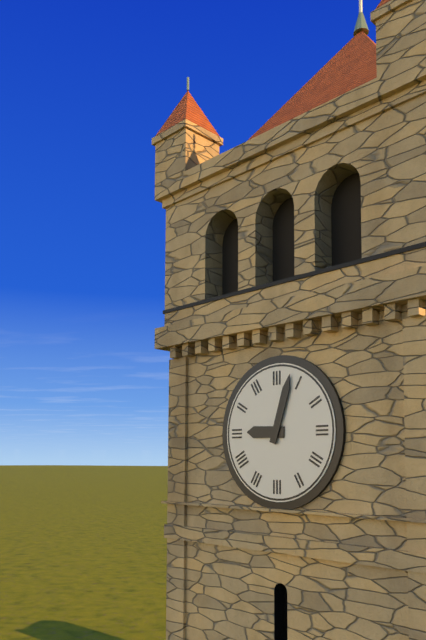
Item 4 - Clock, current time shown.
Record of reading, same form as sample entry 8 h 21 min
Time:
9 h 03 min
